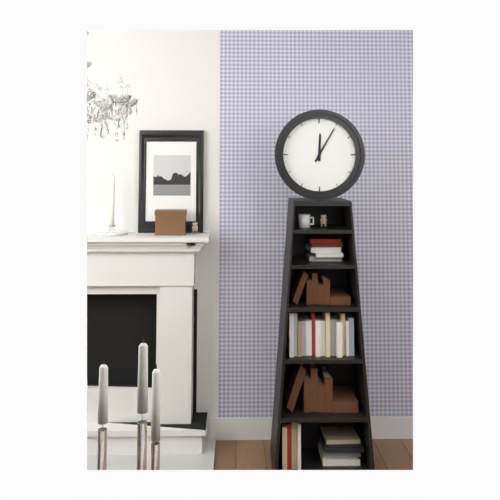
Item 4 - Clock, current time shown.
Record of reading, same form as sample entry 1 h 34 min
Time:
12 h 05 min
